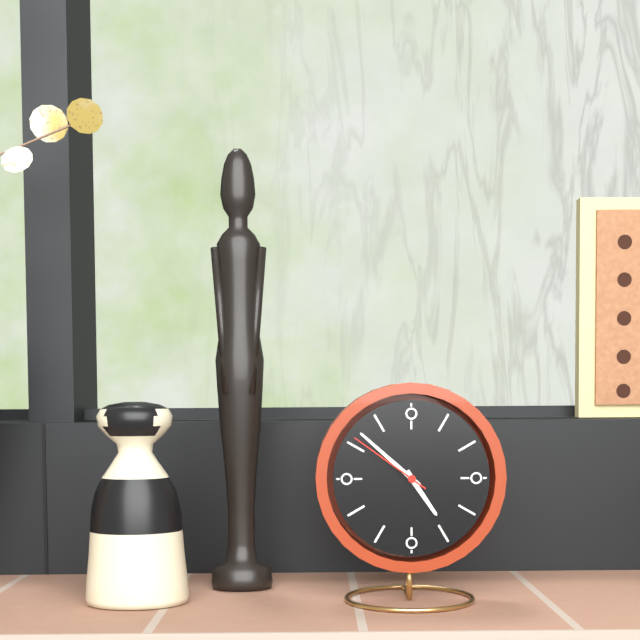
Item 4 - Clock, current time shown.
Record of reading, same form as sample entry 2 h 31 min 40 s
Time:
4 h 52 min 51 s
